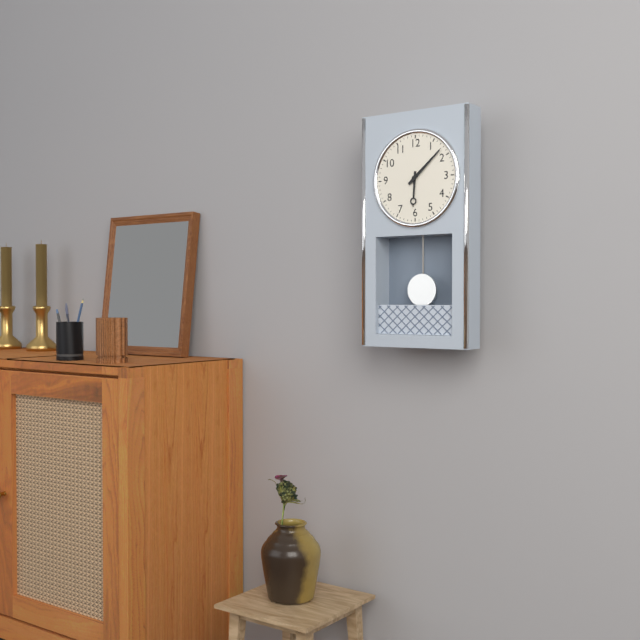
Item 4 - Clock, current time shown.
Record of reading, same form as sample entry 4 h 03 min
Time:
6 h 08 min
